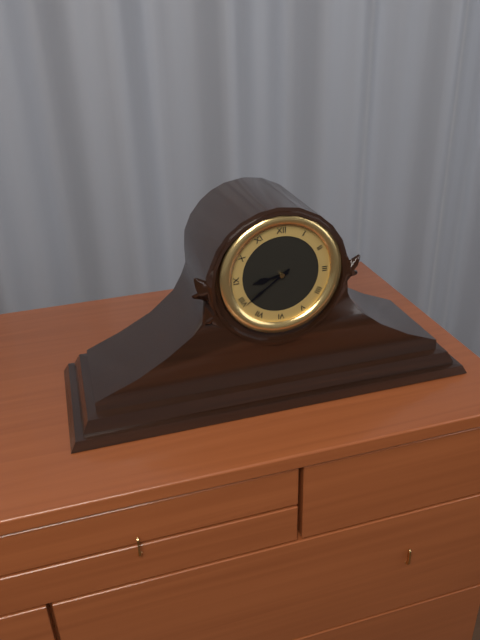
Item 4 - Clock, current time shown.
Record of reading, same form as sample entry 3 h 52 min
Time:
8 h 39 min
